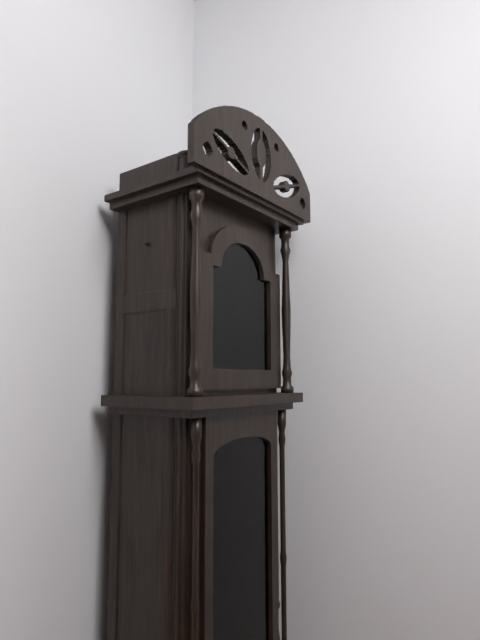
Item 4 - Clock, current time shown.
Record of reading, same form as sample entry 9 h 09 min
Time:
10 h 05 min
